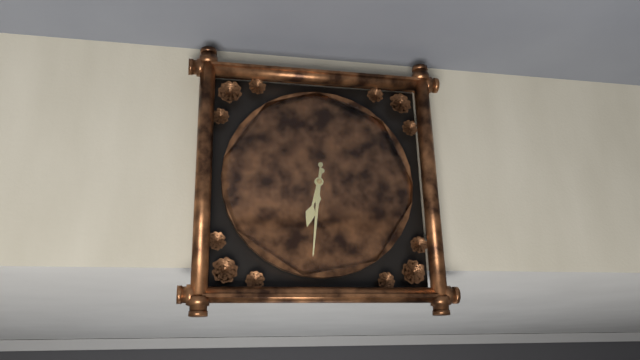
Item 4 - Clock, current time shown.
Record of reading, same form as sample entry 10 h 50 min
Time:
6 h 31 min
